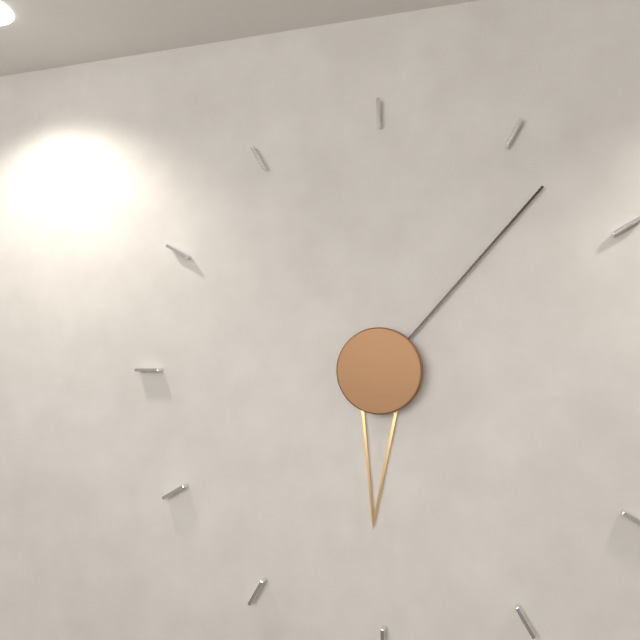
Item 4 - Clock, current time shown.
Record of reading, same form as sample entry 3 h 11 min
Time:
6 h 07 min
